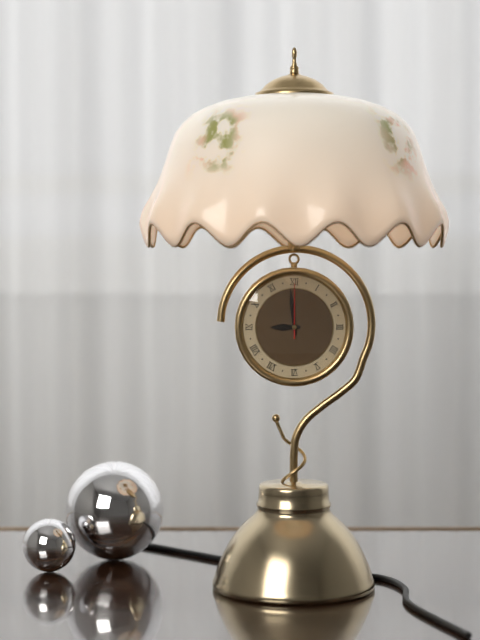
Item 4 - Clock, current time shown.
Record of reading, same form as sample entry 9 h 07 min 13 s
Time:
8 h 59 min 00 s
